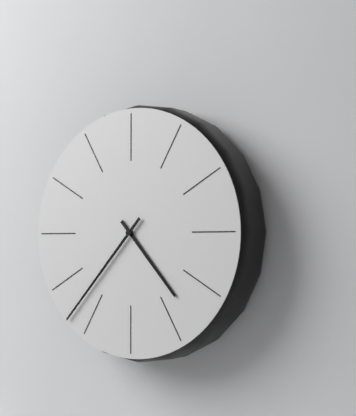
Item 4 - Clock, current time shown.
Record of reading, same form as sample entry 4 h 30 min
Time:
4 h 37 min
